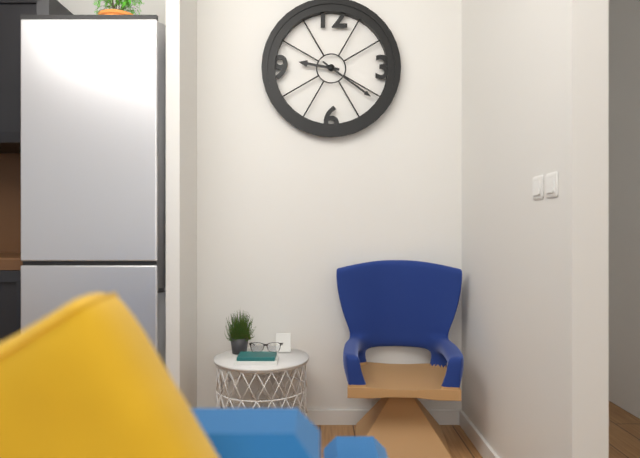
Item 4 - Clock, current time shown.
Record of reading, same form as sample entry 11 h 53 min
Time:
9 h 21 min
